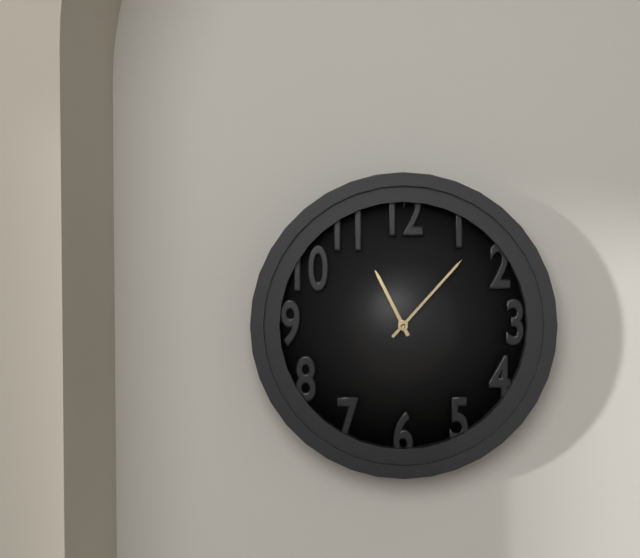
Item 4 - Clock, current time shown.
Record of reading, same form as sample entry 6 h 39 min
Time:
11 h 07 min
